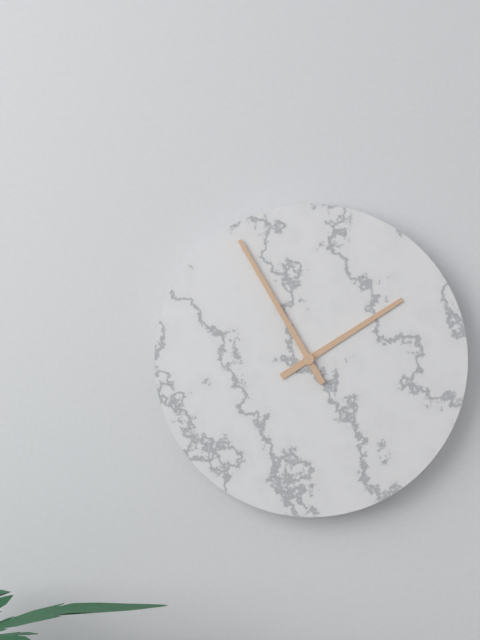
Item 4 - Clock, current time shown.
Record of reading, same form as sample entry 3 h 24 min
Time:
1 h 55 min
